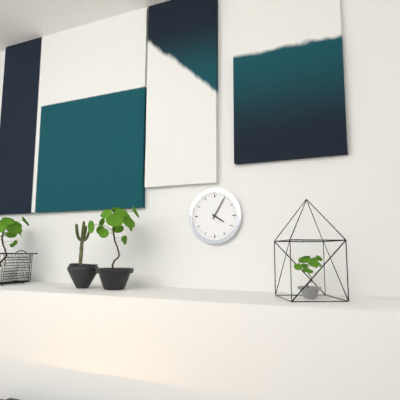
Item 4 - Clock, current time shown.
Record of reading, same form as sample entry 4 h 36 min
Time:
4 h 05 min
